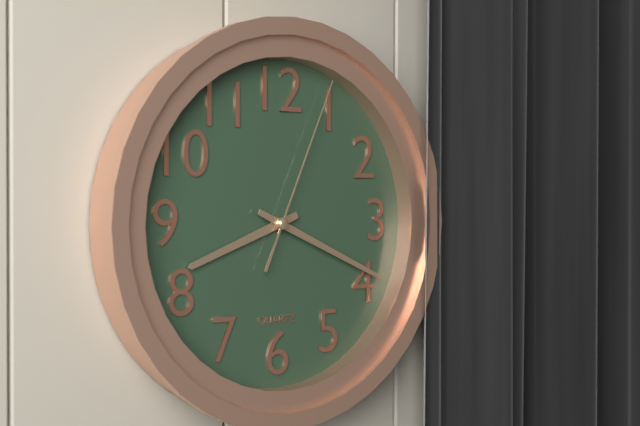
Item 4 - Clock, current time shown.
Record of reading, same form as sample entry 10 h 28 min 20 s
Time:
8 h 19 min 04 s
